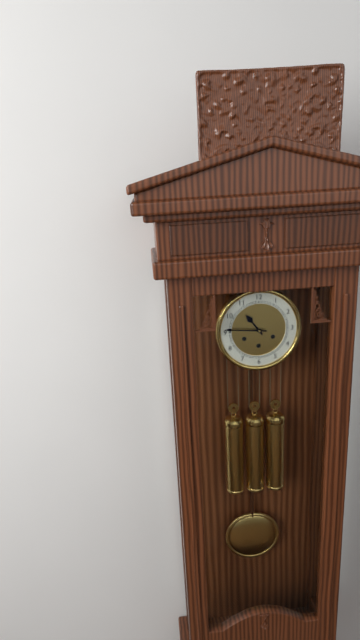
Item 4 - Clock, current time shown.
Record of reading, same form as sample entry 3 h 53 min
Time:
10 h 46 min
